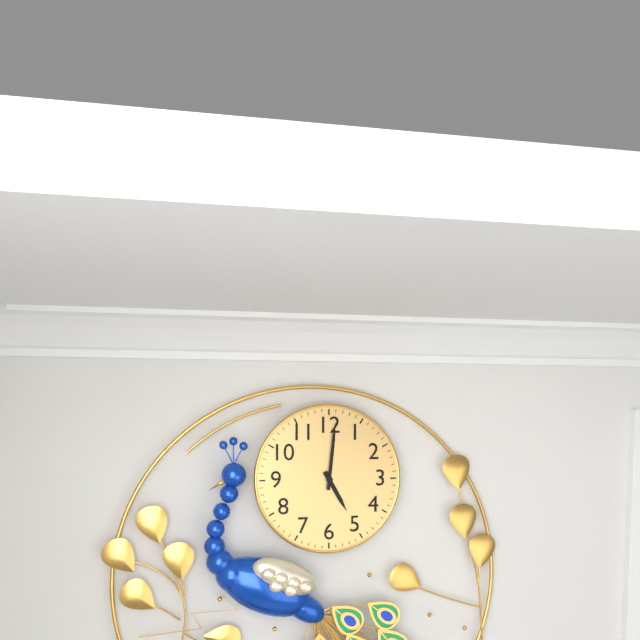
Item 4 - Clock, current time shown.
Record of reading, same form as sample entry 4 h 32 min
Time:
5 h 01 min
